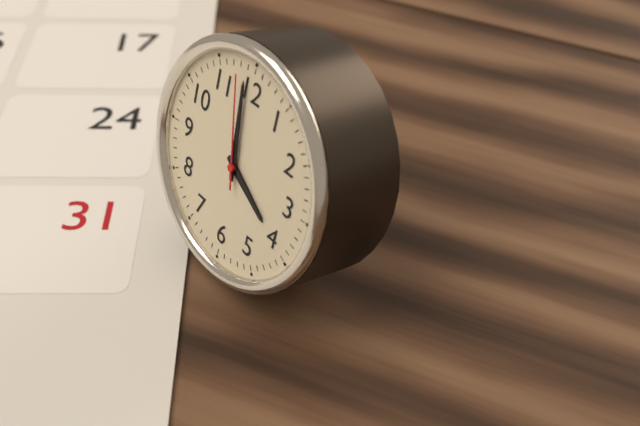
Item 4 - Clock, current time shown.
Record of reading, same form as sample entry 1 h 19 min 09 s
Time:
3 h 59 min 58 s
